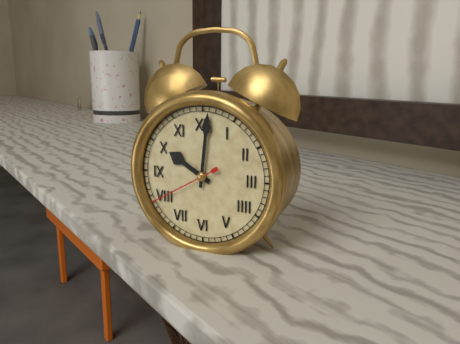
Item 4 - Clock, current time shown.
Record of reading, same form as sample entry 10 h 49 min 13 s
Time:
10 h 01 min 40 s
